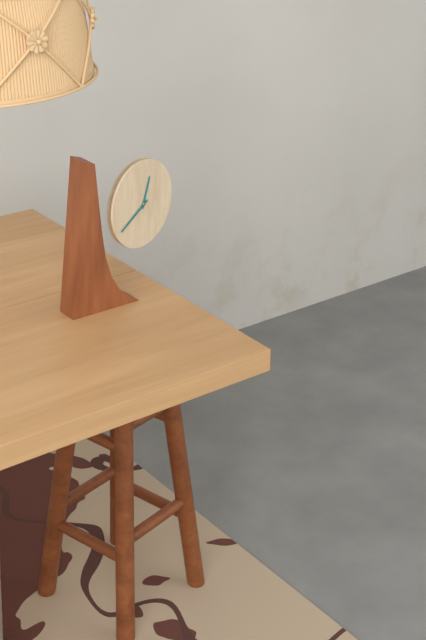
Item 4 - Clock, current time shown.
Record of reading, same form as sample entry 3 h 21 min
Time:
12 h 40 min
